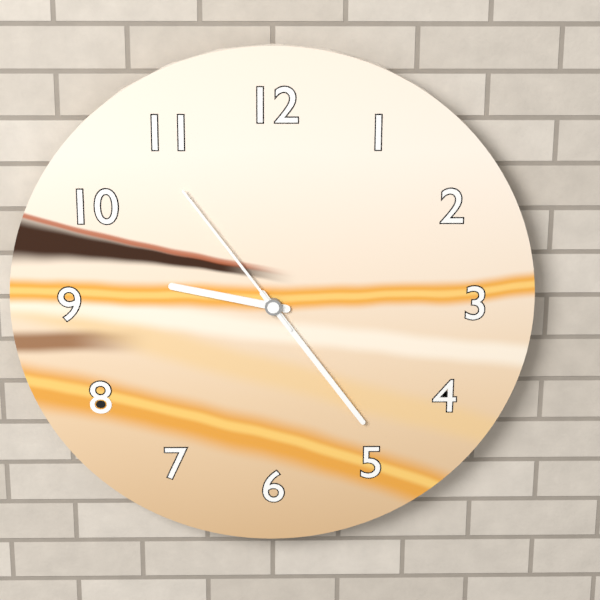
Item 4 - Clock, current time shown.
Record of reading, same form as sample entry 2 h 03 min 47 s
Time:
9 h 24 min 54 s
